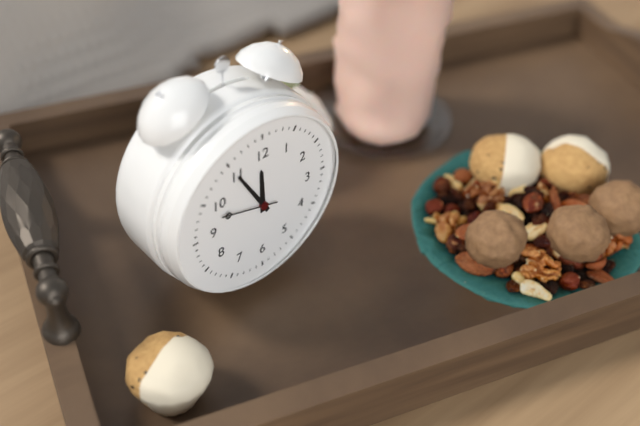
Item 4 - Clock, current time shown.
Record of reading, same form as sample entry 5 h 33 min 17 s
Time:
11 h 55 min 48 s
